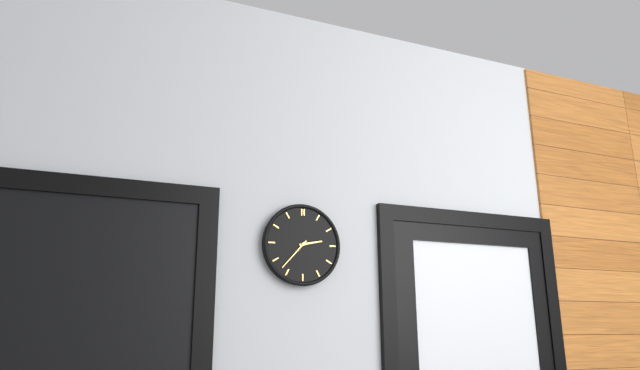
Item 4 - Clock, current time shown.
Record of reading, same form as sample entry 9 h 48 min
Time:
2 h 37 min
